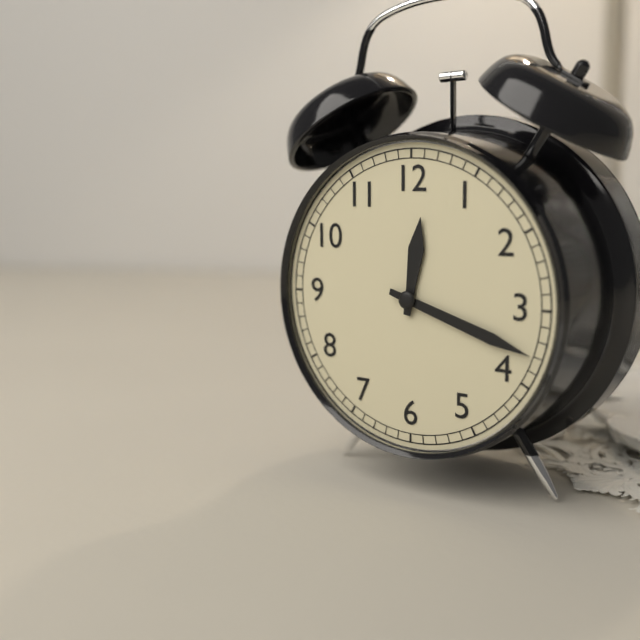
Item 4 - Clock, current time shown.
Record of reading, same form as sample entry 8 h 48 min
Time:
12 h 18 min
